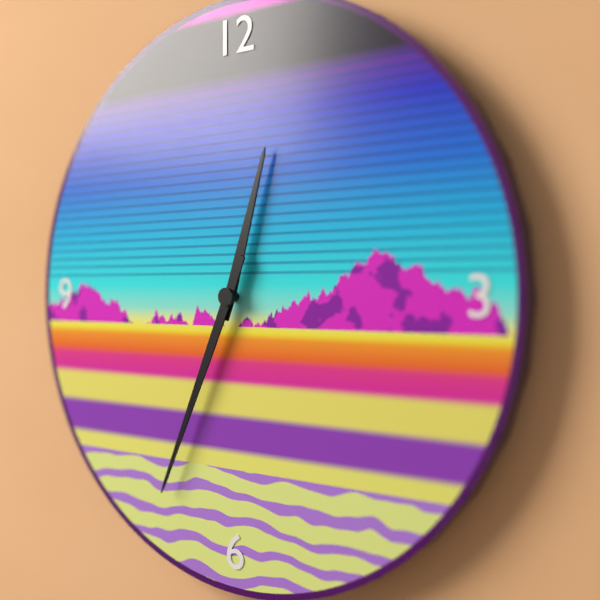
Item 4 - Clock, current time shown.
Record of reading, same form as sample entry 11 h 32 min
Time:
12 h 34 min
